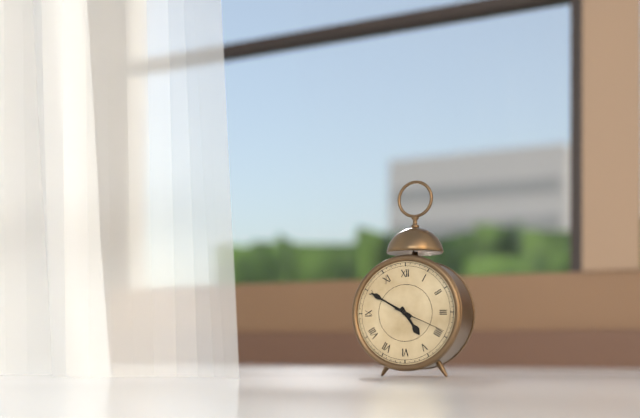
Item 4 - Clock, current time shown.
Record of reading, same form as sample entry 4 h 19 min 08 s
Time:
4 h 50 min 19 s
